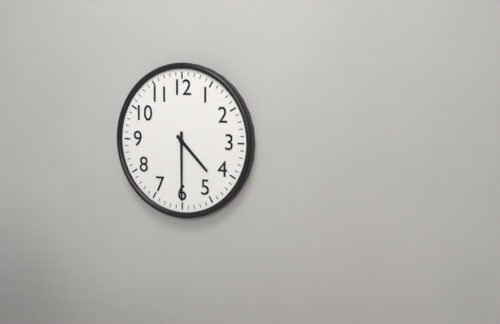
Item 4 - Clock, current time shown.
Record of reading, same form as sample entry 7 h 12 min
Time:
4 h 30 min
